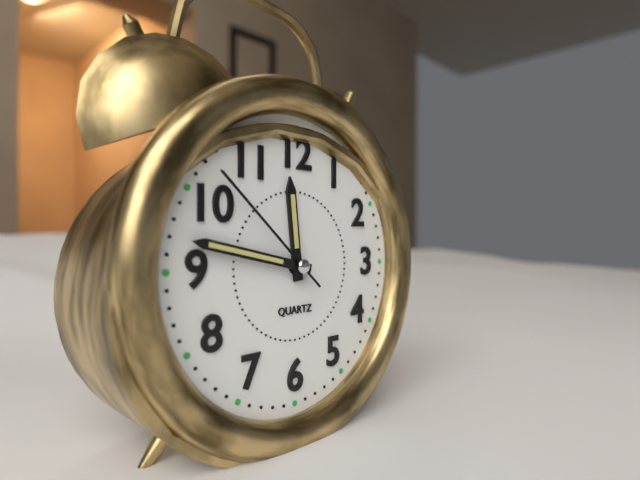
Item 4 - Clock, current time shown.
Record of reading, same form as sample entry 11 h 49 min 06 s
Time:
11 h 47 min 52 s
